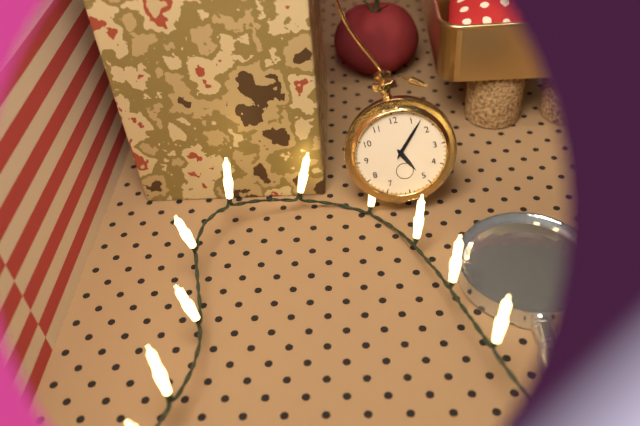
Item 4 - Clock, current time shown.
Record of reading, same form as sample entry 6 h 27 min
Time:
5 h 07 min
